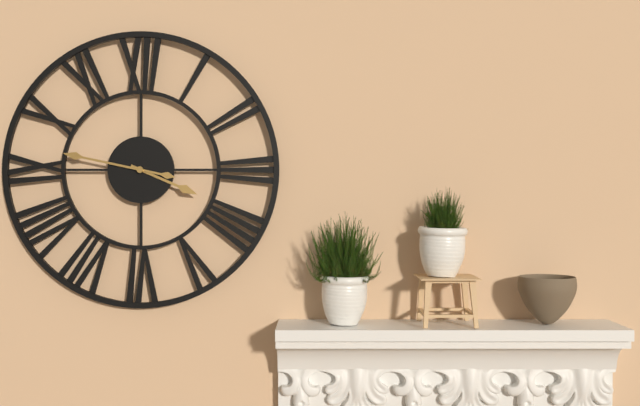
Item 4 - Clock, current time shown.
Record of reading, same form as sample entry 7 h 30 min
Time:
3 h 47 min
